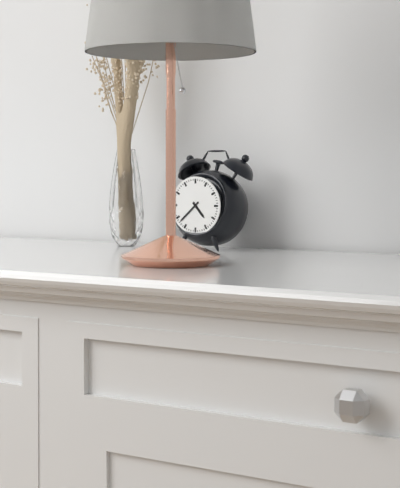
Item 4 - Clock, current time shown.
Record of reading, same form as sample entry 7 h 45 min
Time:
4 h 38 min
